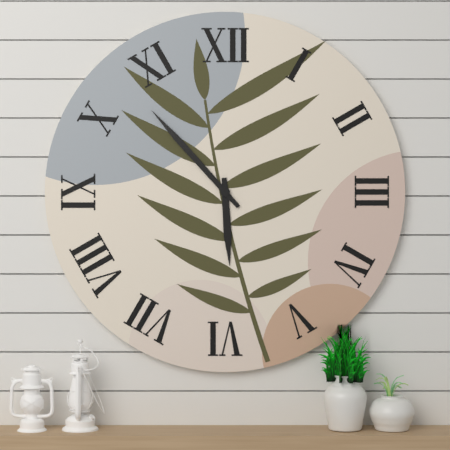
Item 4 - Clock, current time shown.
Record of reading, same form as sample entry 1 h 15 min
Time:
5 h 53 min
